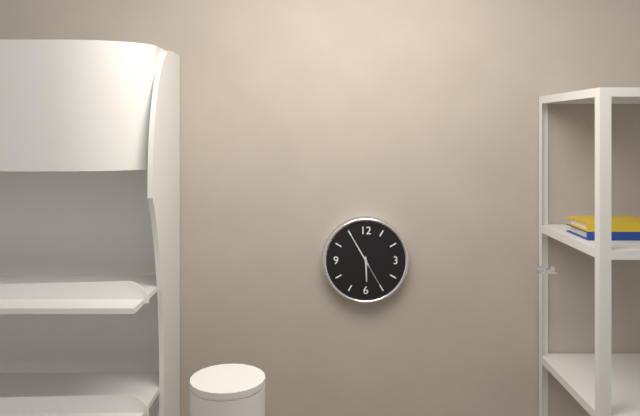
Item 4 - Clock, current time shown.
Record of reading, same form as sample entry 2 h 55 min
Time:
5 h 55 min
